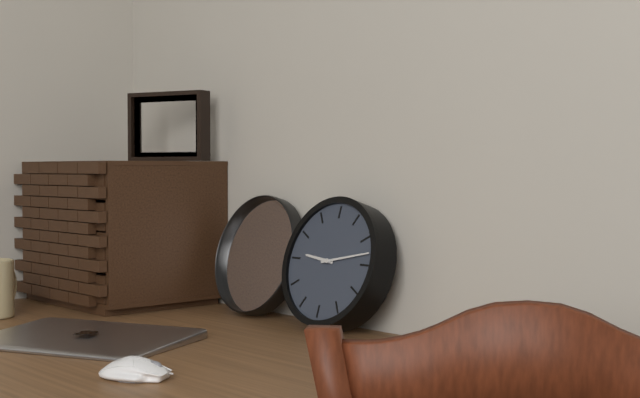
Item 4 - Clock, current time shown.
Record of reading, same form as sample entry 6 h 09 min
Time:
9 h 13 min
